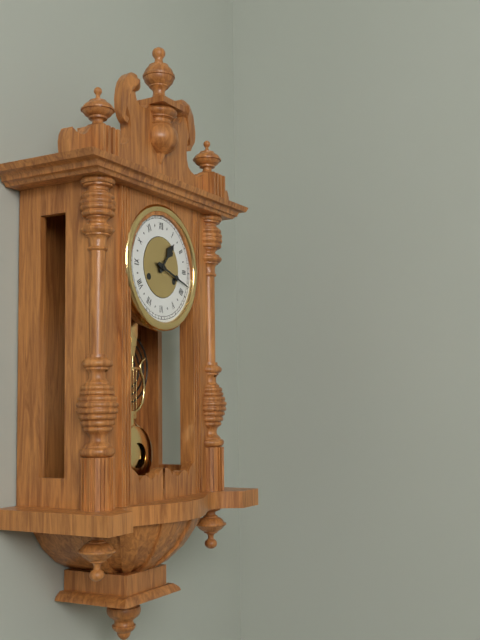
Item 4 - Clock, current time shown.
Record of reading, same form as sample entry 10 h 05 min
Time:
1 h 18 min
